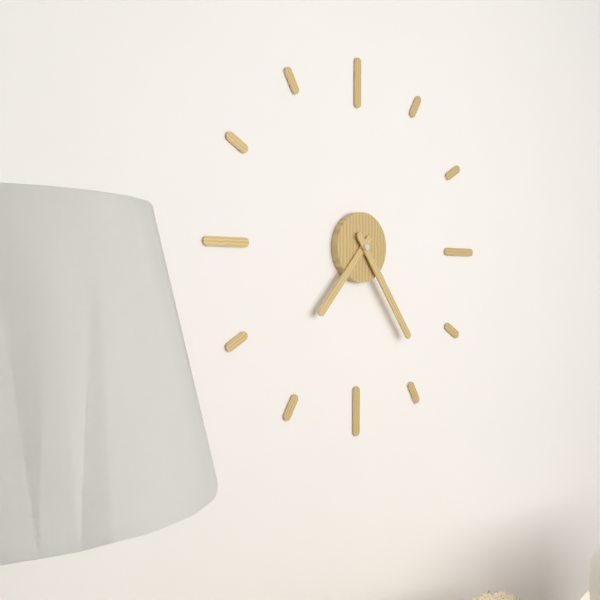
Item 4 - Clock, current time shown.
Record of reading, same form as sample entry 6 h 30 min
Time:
7 h 24 min
